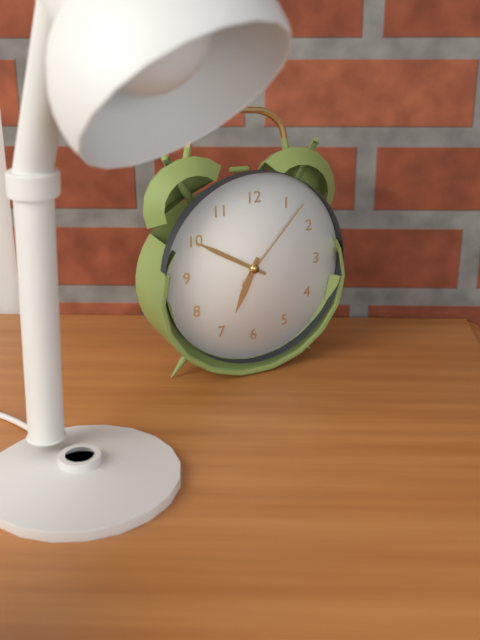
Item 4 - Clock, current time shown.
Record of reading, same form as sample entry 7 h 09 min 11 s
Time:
6 h 50 min 07 s
